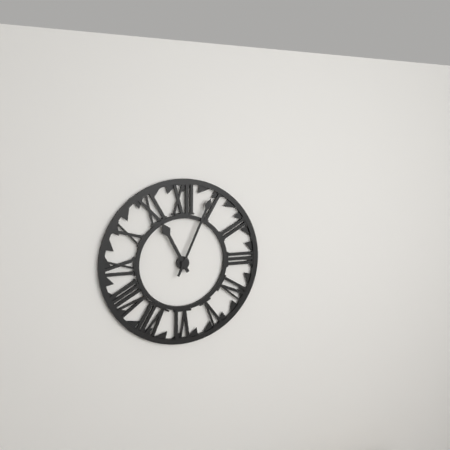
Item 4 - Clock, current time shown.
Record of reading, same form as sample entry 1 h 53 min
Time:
11 h 04 min
